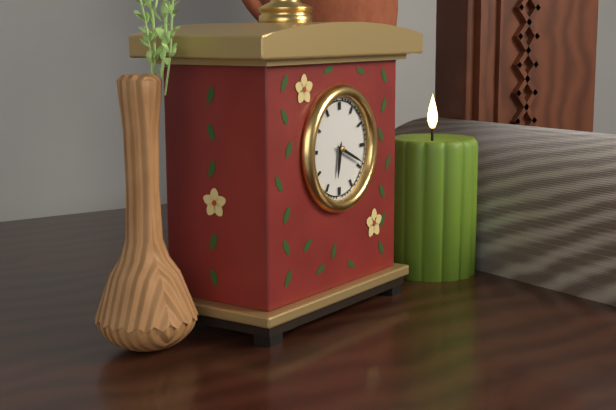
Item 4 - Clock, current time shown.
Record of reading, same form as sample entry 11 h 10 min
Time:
6 h 19 min
